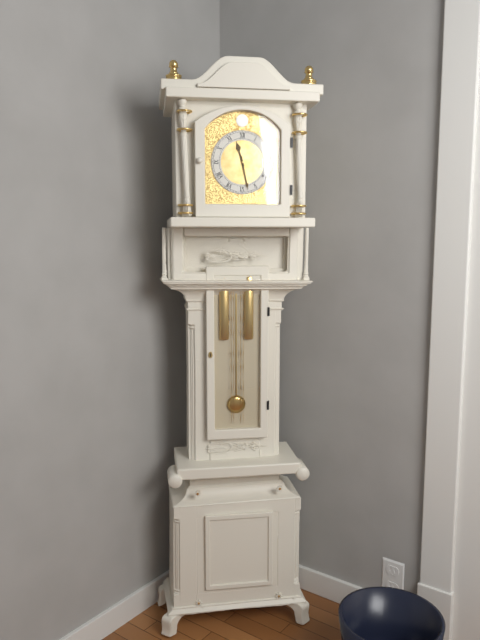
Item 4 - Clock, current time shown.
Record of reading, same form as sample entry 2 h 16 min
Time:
11 h 28 min
